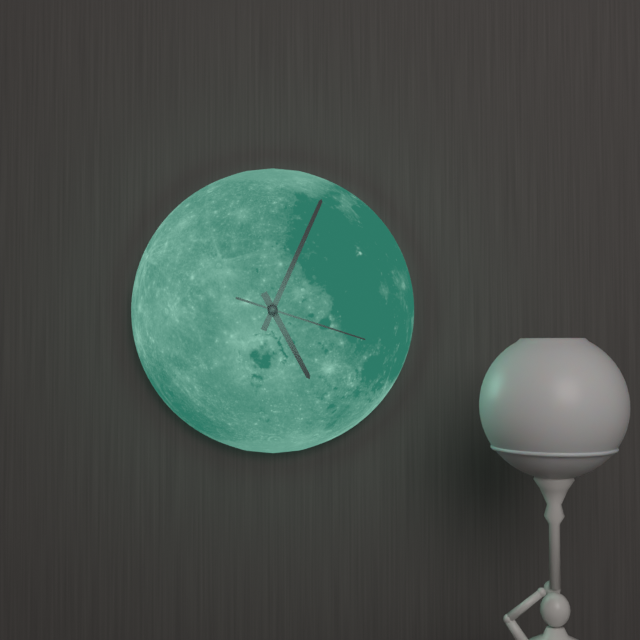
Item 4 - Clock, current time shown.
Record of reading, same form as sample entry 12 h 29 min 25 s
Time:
5 h 04 min 18 s
